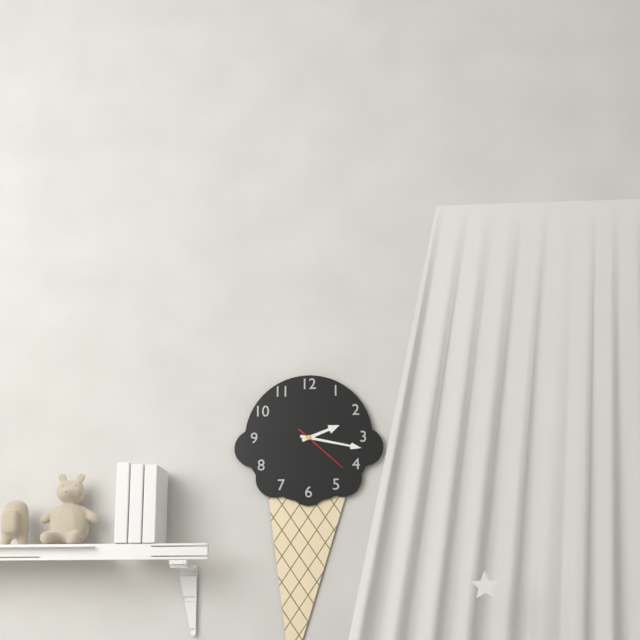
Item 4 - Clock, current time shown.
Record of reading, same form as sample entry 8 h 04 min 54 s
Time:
2 h 17 min 22 s
